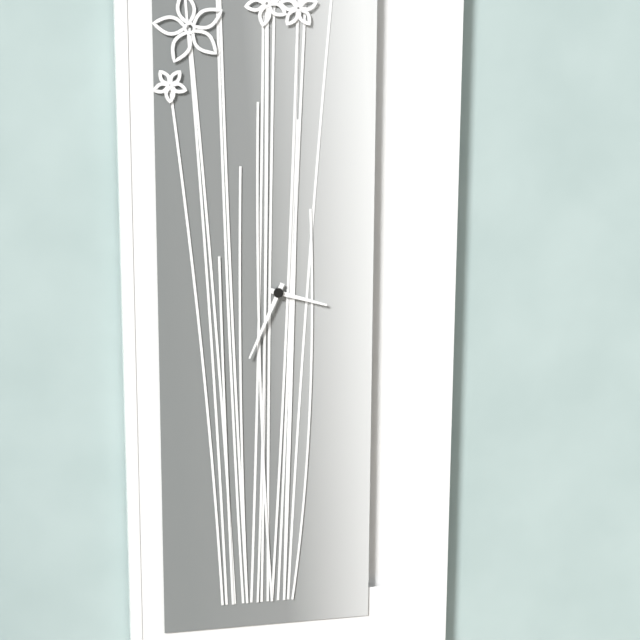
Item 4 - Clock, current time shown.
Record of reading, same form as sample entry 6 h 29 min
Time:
3 h 34 min
